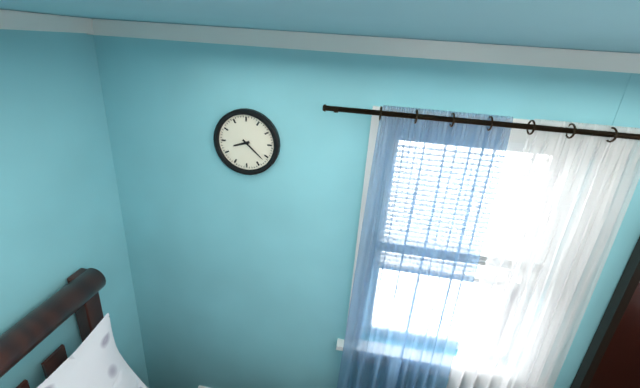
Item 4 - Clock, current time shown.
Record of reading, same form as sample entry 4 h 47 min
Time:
8 h 22 min
